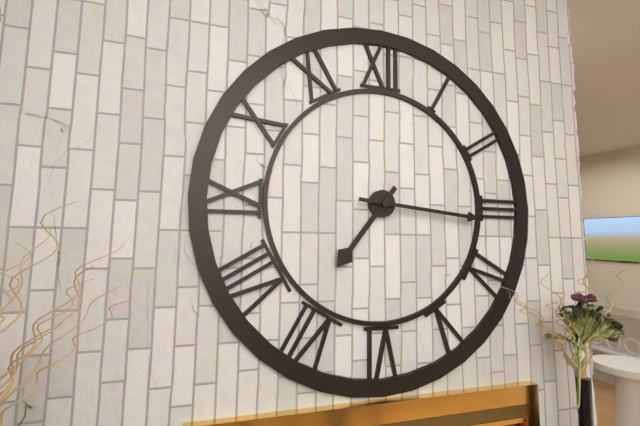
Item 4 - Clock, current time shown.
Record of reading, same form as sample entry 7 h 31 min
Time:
7 h 16 min
